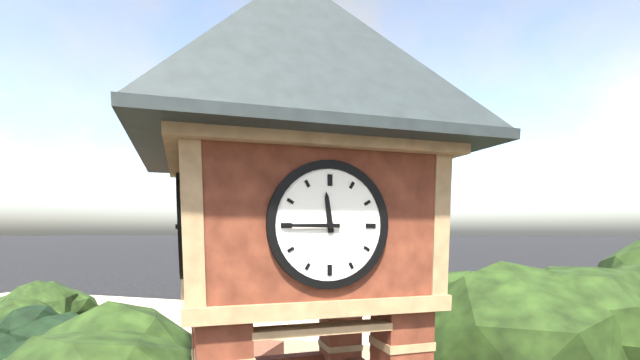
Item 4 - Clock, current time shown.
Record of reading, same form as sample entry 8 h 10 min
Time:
11 h 45 min
